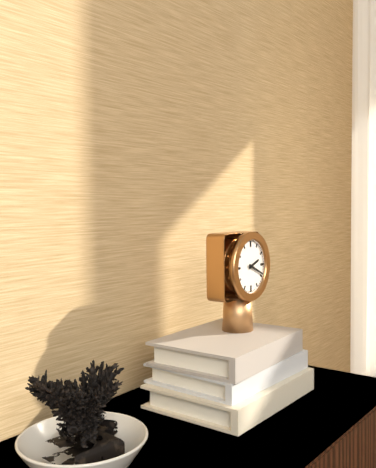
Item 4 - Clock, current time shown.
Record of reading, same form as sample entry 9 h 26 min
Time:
2 h 19 min
